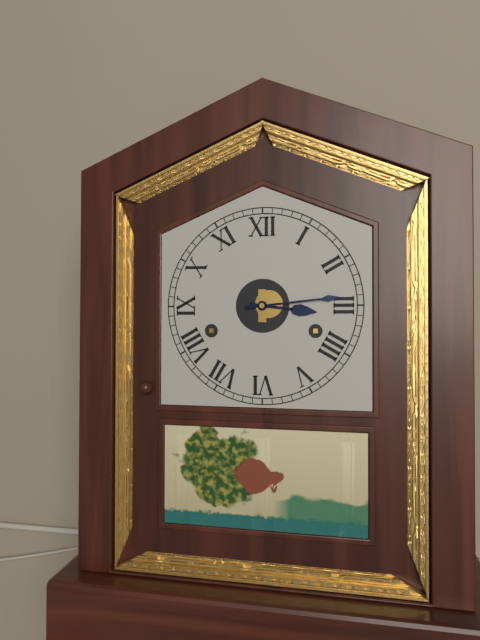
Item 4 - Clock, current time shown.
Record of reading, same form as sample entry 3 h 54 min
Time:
3 h 14 min
